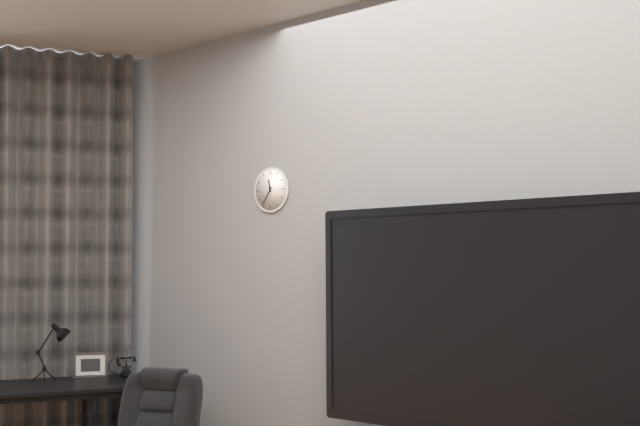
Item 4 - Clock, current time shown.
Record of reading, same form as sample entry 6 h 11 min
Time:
11 h 36 min
